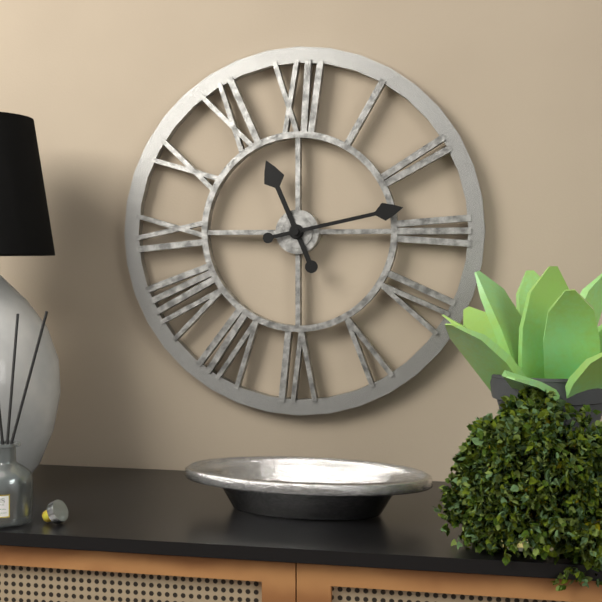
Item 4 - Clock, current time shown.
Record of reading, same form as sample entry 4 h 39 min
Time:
11 h 13 min
